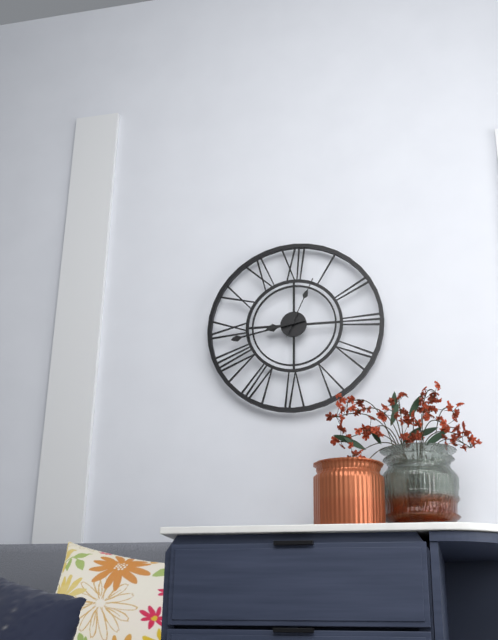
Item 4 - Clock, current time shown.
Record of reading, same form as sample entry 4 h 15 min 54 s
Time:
8 h 43 min 04 s
